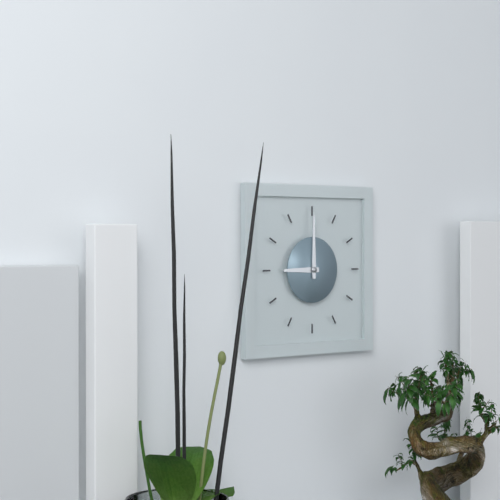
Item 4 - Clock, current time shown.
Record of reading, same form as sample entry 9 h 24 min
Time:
9 h 00 min
